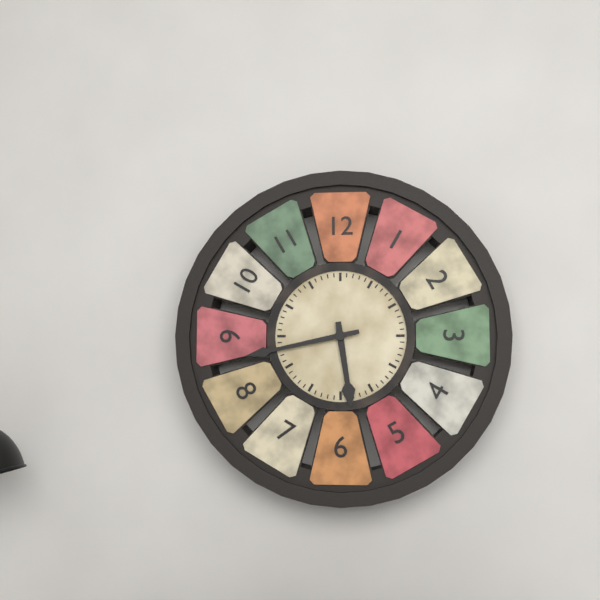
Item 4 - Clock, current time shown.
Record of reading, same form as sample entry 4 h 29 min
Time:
5 h 43 min
